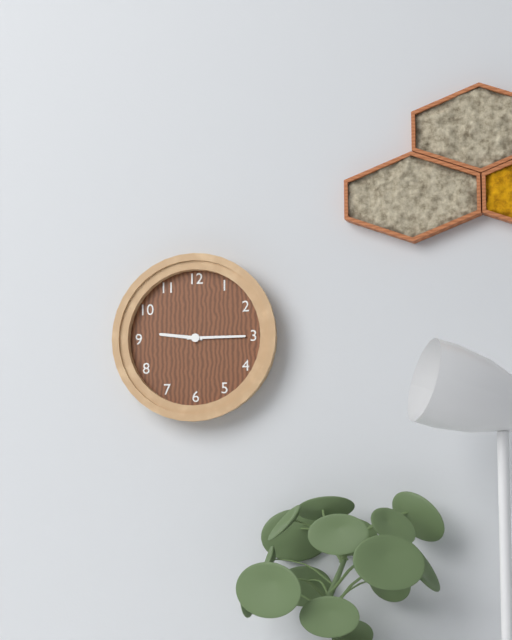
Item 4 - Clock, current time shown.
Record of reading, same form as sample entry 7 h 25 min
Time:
9 h 15 min
